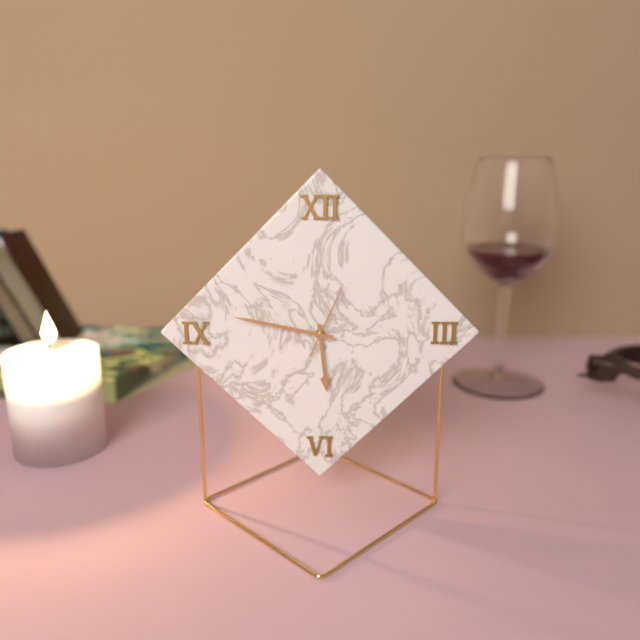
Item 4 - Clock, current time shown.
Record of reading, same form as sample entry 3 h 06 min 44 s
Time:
5 h 47 min 04 s
